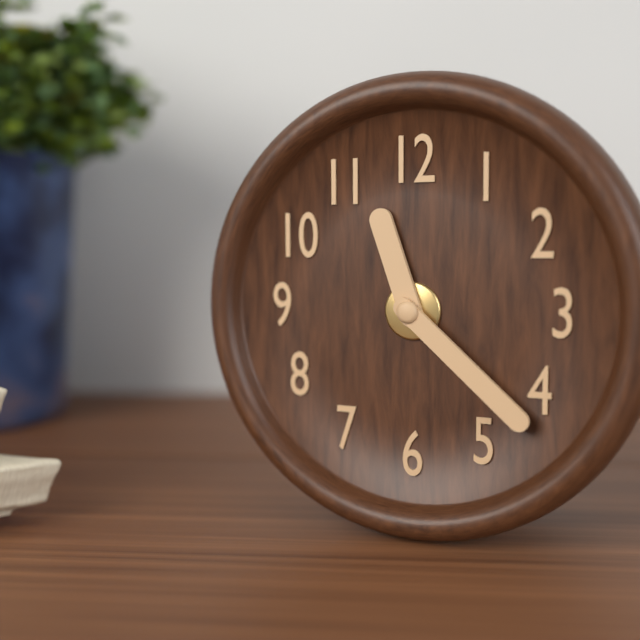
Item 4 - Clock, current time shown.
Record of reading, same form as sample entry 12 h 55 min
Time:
11 h 22 min
